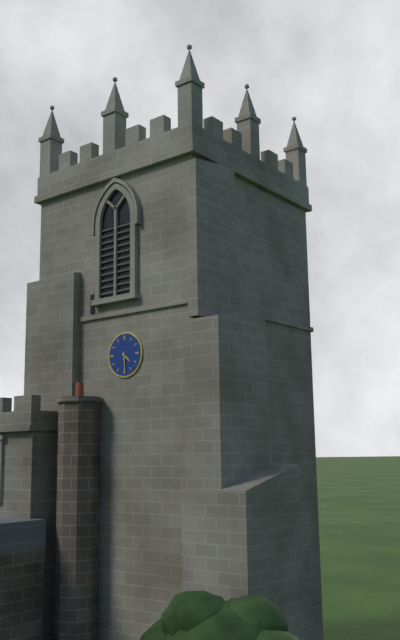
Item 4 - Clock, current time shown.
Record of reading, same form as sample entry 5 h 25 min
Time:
4 h 29 min
